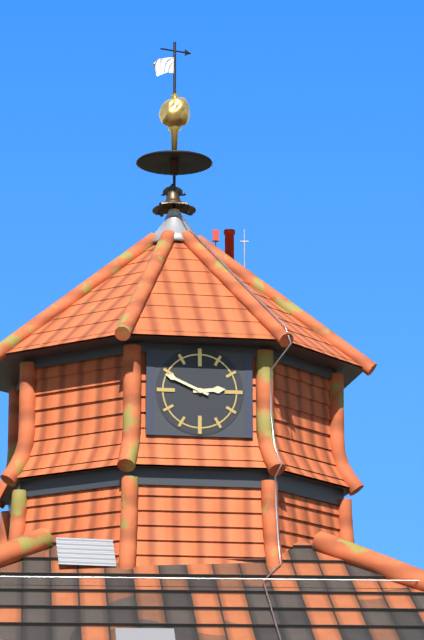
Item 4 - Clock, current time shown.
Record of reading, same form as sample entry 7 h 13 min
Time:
2 h 49 min
